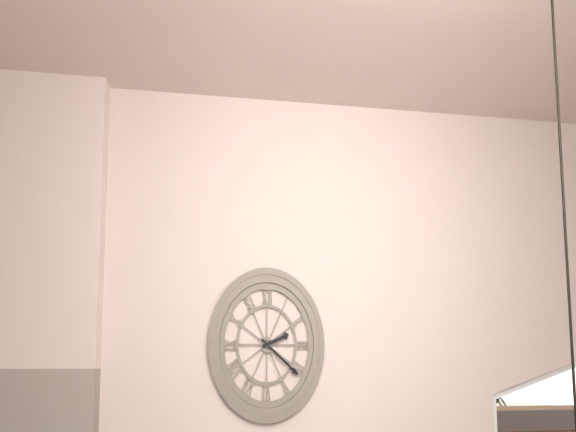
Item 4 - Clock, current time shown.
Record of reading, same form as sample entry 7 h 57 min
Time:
2 h 21 min
